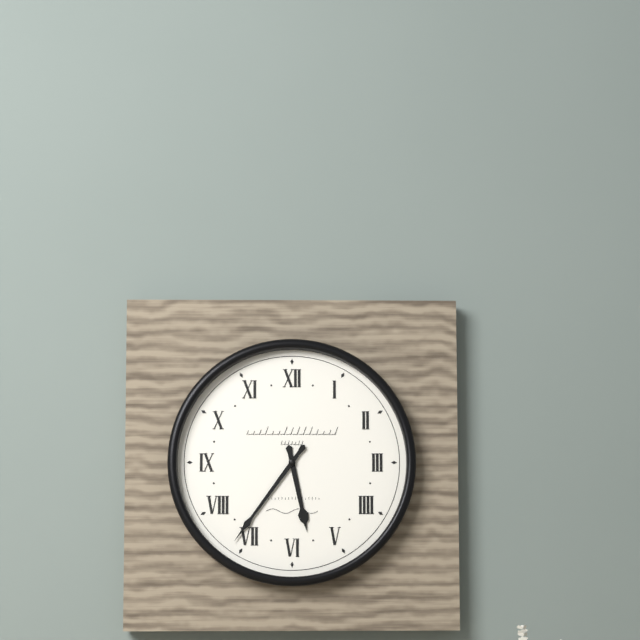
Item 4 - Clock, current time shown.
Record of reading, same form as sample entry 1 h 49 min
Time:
5 h 36 min
